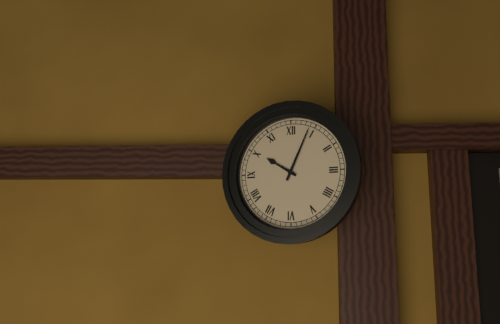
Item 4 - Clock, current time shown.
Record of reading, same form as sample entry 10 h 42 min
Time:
10 h 04 min
